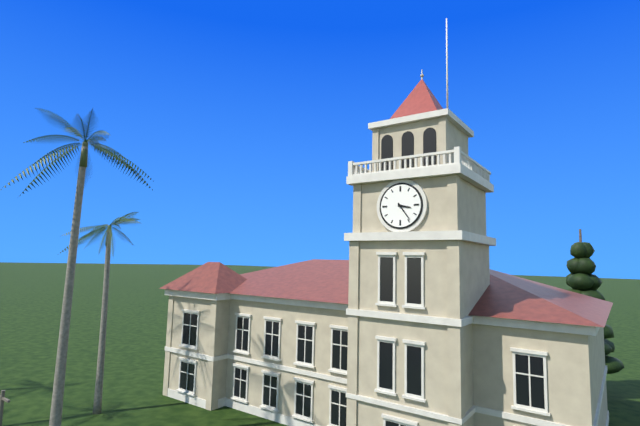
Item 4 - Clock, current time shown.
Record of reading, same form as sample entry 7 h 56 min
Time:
3 h 24 min
